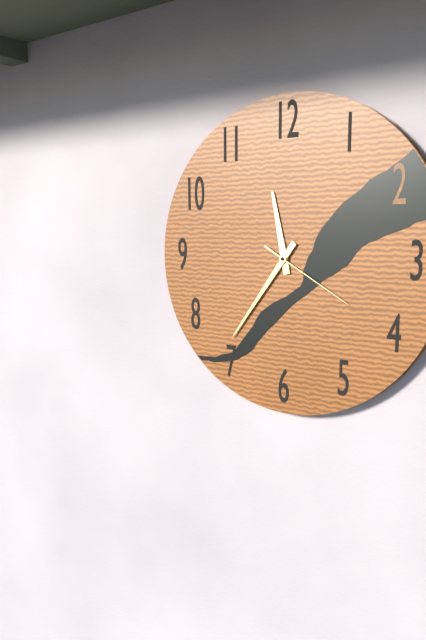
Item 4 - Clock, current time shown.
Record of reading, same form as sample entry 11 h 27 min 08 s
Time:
11 h 36 min 20 s
